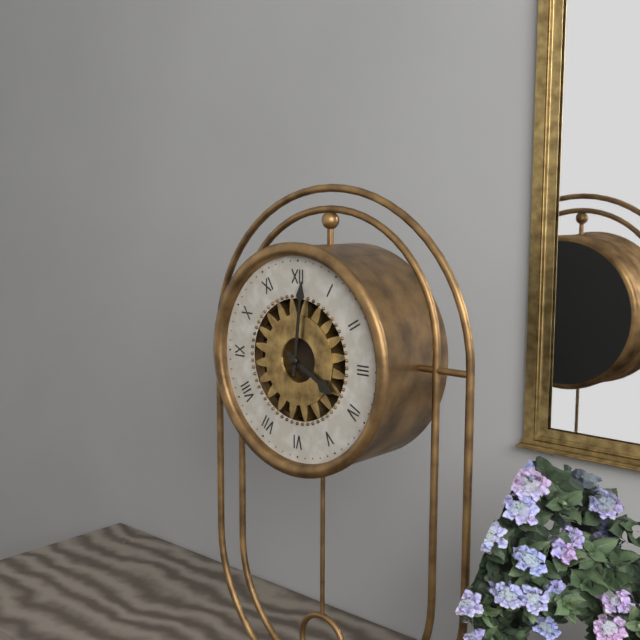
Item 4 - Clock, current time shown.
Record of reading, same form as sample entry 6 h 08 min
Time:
4 h 01 min
